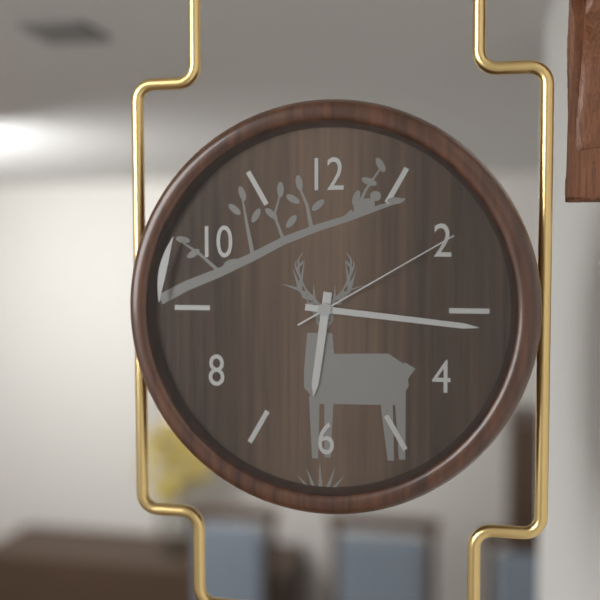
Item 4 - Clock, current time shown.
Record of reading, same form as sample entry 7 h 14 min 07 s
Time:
6 h 16 min 10 s
